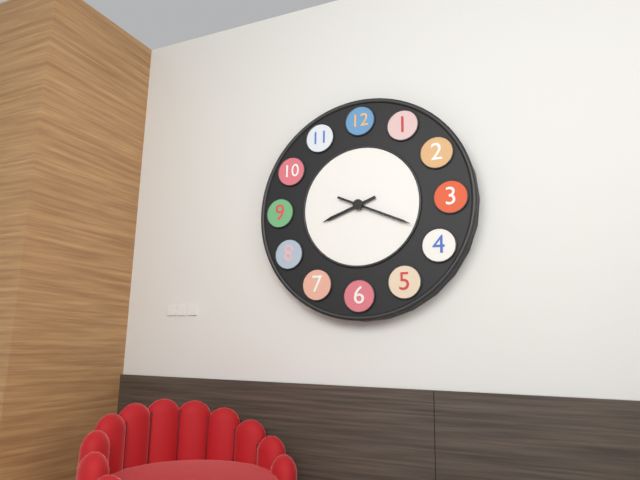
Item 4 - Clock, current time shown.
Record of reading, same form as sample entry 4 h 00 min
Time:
8 h 19 min
